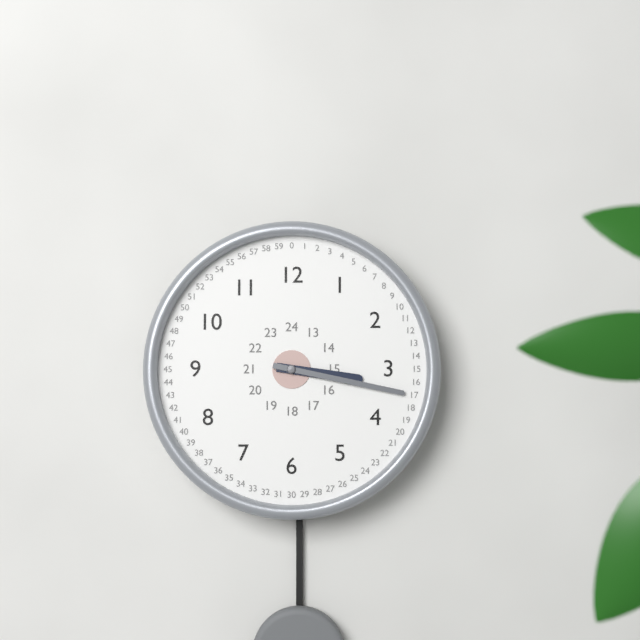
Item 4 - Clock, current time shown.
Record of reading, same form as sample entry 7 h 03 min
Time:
3 h 17 min
